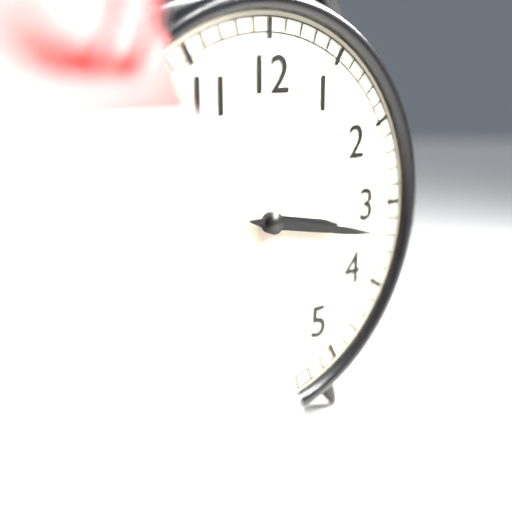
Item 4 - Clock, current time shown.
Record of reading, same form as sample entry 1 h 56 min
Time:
3 h 17 min
